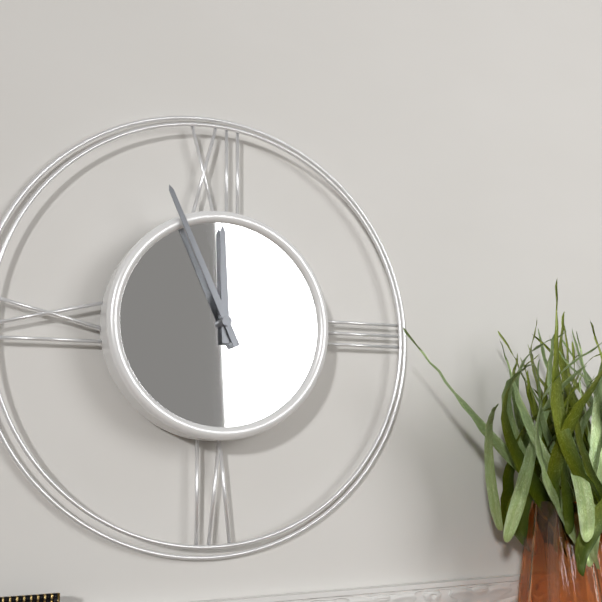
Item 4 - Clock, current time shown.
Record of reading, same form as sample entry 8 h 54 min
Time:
11 h 56 min
